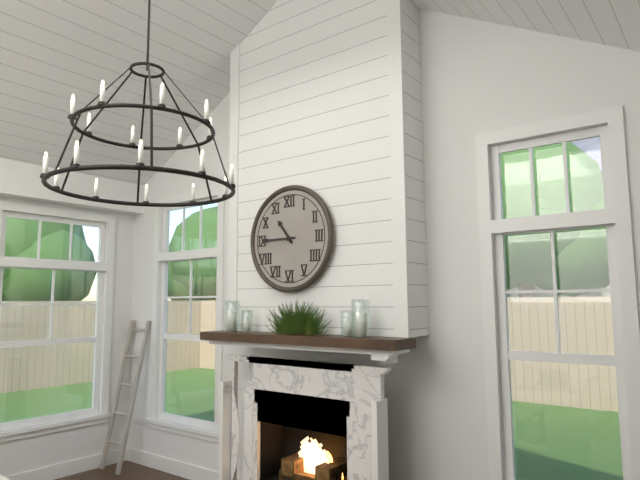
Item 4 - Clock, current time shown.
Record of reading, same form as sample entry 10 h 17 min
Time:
10 h 45 min
